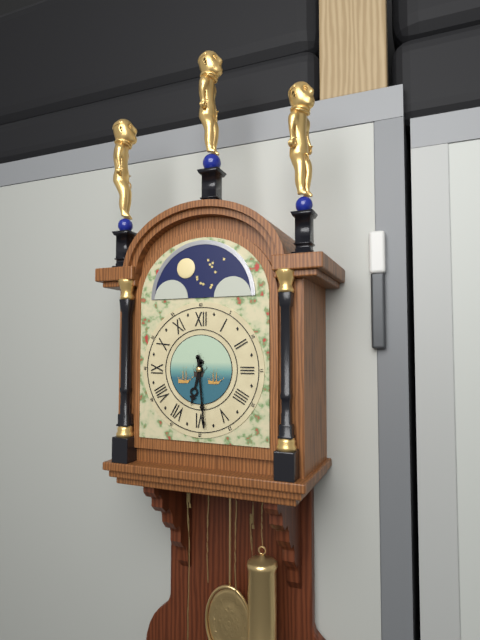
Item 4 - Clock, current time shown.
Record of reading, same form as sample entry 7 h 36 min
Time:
6 h 29 min
